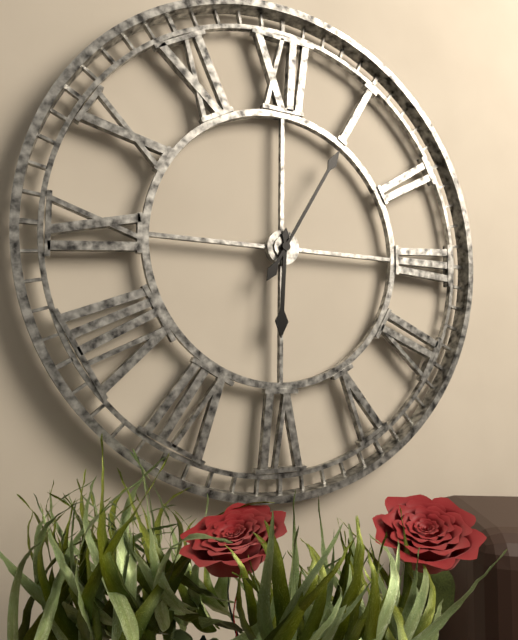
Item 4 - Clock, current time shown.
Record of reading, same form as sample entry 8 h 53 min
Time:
6 h 05 min
